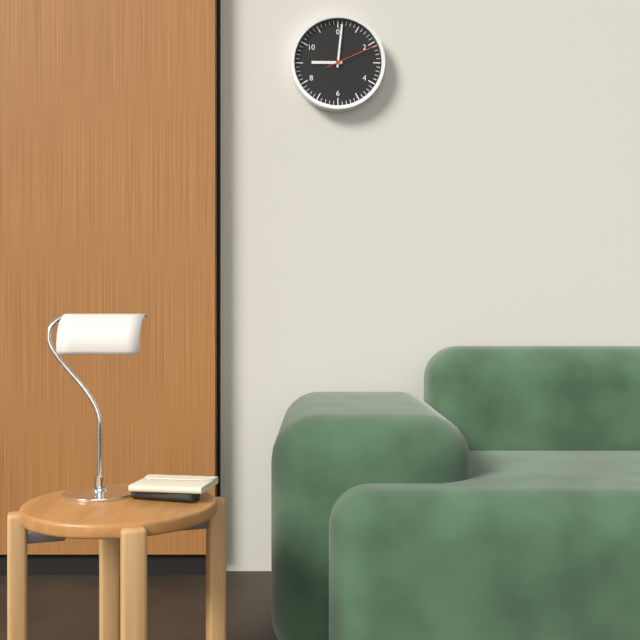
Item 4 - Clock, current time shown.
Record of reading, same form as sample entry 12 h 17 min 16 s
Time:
9 h 01 min 11 s
